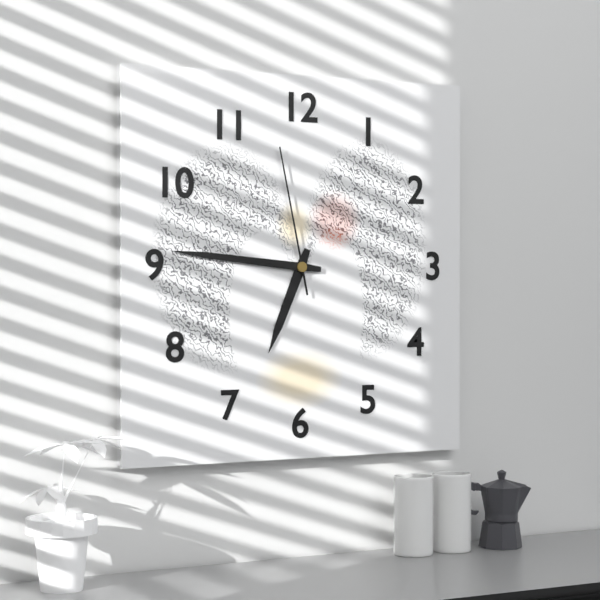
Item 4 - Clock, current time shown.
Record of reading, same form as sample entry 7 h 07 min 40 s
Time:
6 h 46 min 58 s
